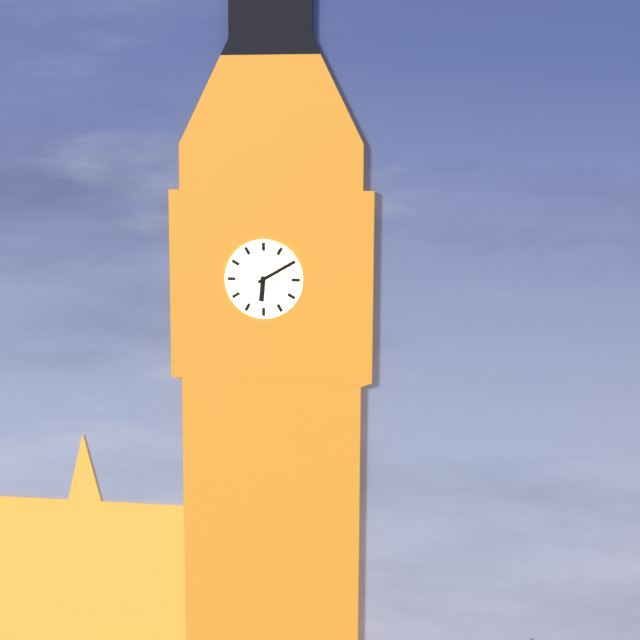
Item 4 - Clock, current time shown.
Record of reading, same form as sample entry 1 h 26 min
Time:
6 h 10 min
